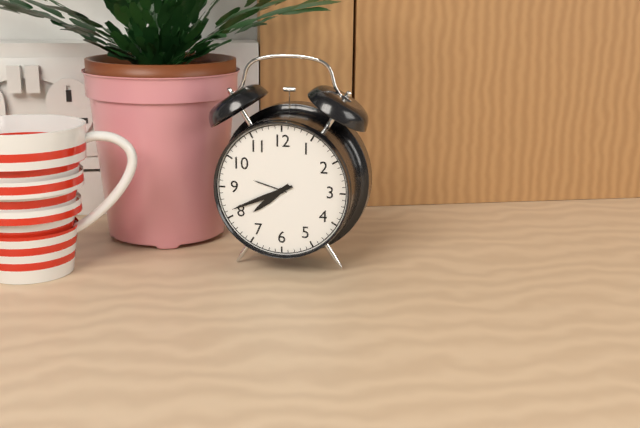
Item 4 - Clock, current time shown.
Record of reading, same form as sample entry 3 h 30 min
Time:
7 h 41 min
